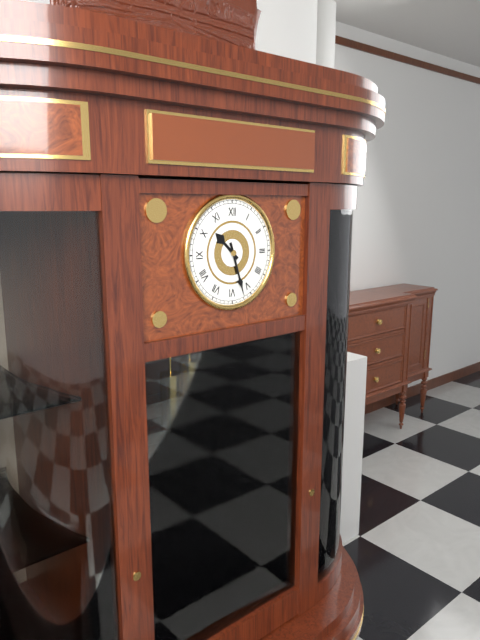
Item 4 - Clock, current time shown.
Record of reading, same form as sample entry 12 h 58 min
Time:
10 h 27 min
